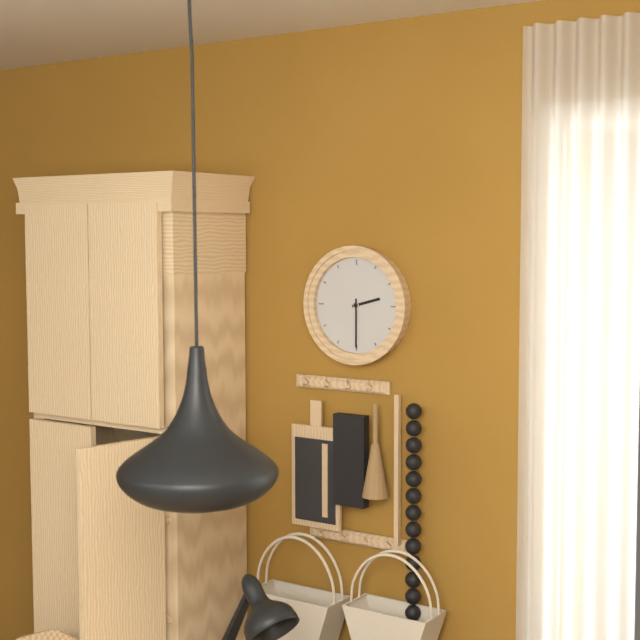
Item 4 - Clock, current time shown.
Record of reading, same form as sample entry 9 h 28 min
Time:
2 h 30 min
